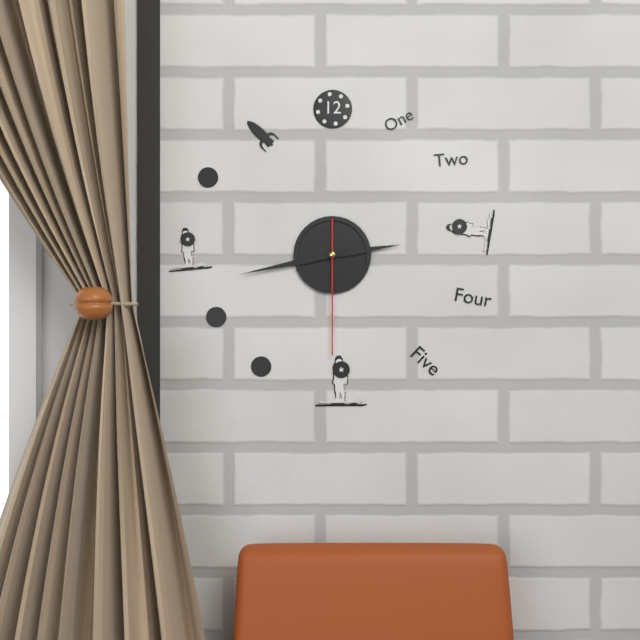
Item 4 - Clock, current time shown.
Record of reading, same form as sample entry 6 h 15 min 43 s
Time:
2 h 43 min 30 s
